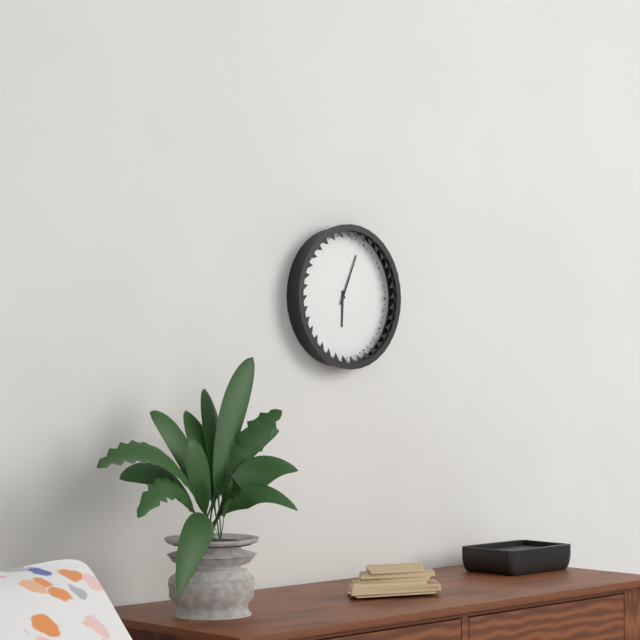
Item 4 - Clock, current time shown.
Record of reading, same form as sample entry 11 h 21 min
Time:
6 h 04 min
